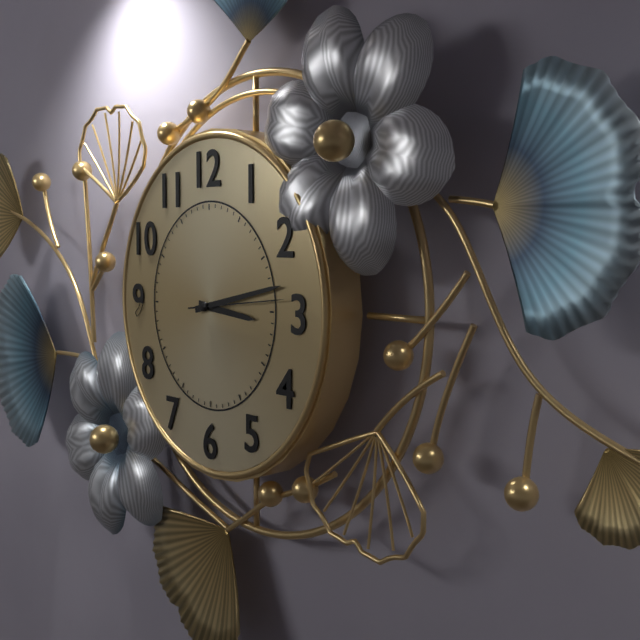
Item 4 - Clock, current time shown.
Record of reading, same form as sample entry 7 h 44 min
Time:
3 h 13 min
